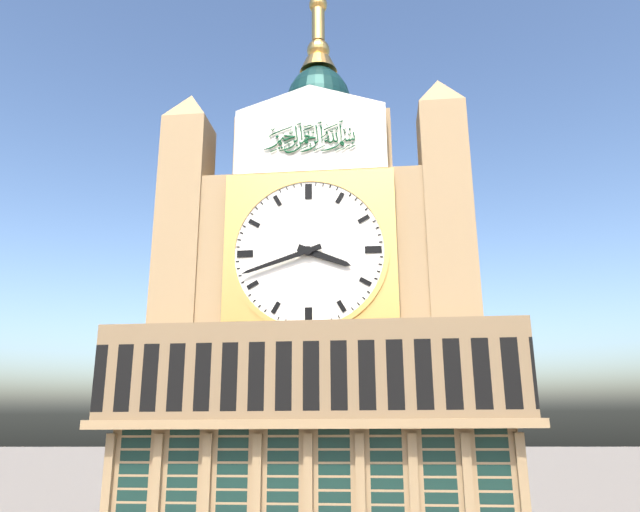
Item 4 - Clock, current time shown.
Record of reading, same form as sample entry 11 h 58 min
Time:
3 h 42 min
